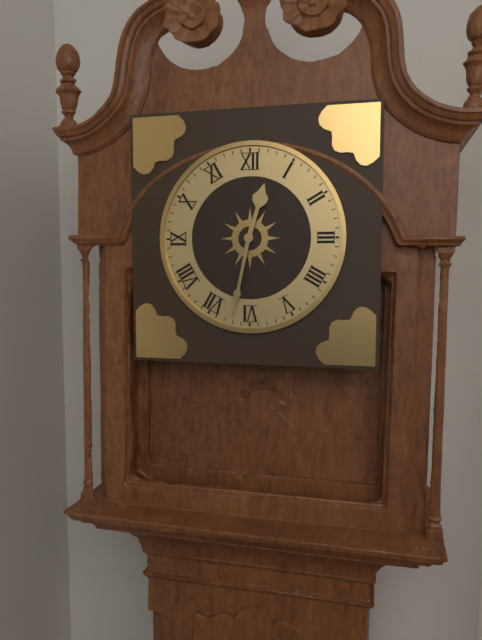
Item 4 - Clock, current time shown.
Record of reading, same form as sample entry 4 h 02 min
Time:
12 h 32 min
